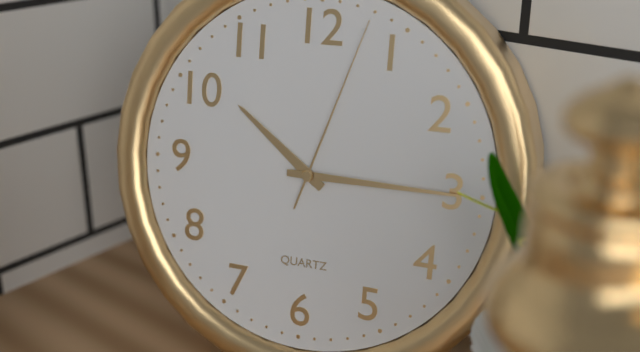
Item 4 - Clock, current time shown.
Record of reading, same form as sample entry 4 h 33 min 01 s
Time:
10 h 15 min 03 s
